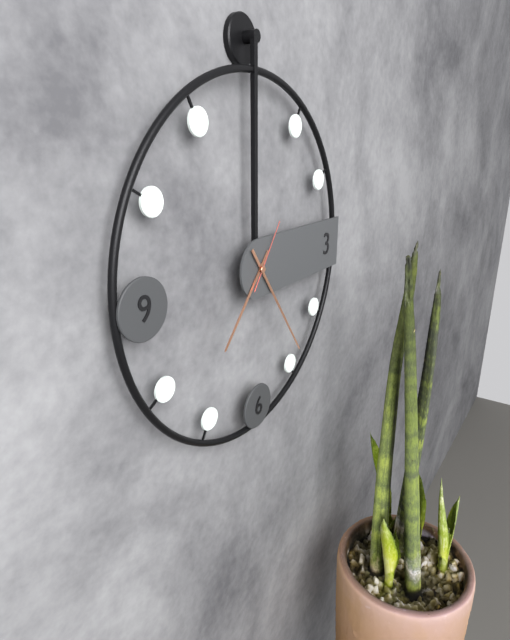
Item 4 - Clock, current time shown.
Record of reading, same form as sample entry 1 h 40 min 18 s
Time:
7 h 24 min 06 s
